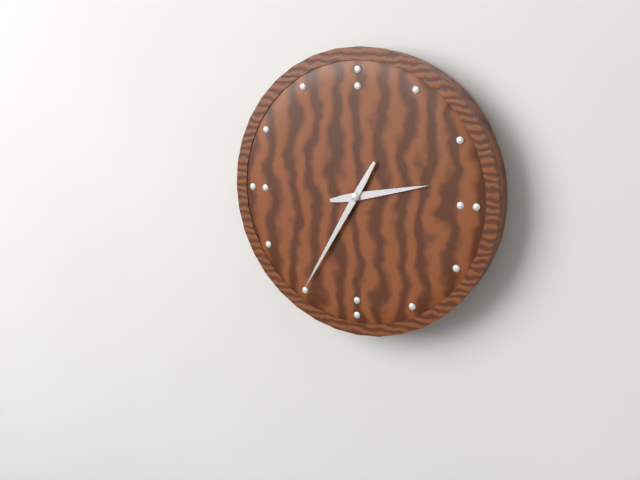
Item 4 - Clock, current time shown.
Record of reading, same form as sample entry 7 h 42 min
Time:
2 h 35 min
